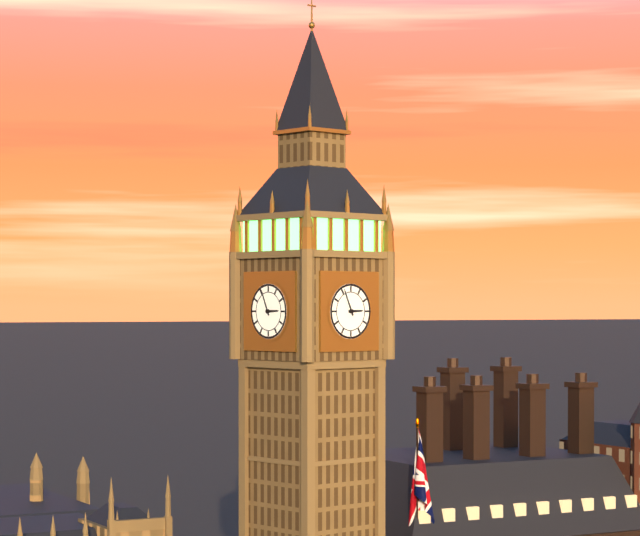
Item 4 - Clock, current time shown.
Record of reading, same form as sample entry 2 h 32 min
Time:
2 h 56 min
